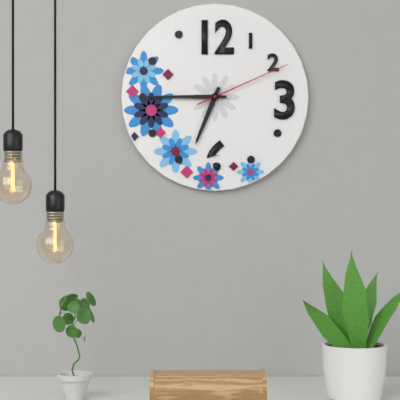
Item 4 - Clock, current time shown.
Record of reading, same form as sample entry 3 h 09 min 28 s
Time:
6 h 45 min 11 s
